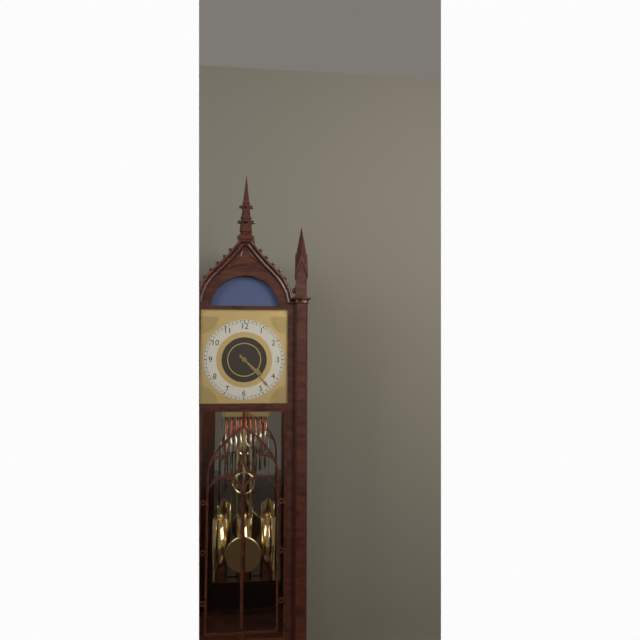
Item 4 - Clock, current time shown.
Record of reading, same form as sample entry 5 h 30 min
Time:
4 h 23 min
